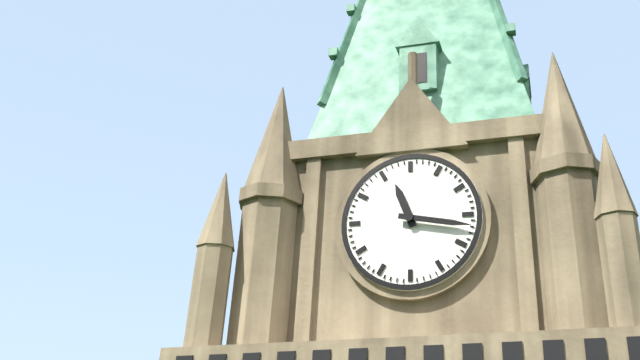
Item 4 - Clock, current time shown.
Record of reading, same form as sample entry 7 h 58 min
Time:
11 h 17 min
